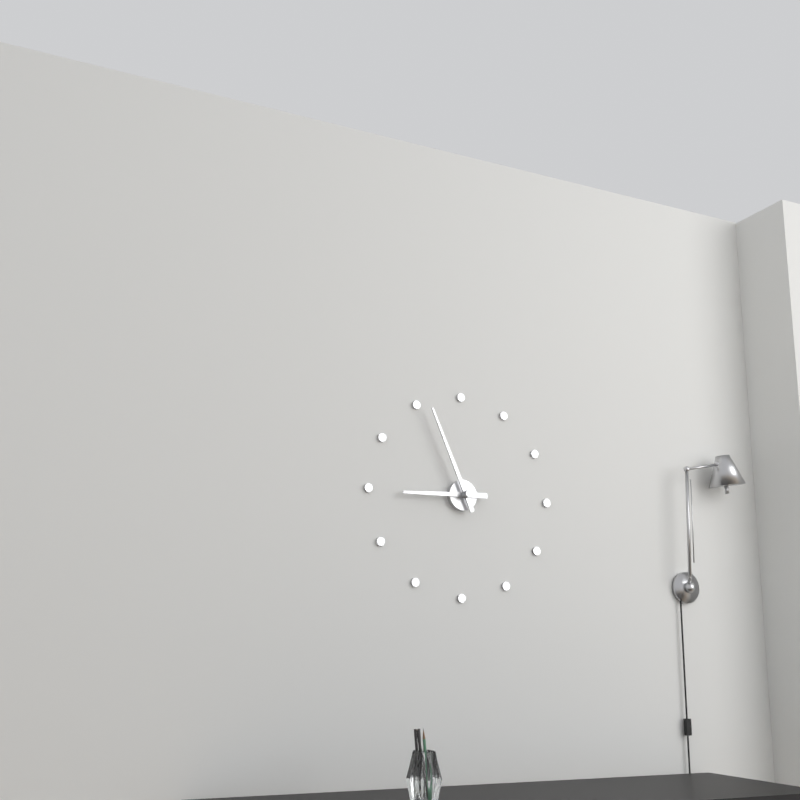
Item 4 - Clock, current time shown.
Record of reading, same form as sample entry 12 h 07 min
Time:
8 h 56 min
